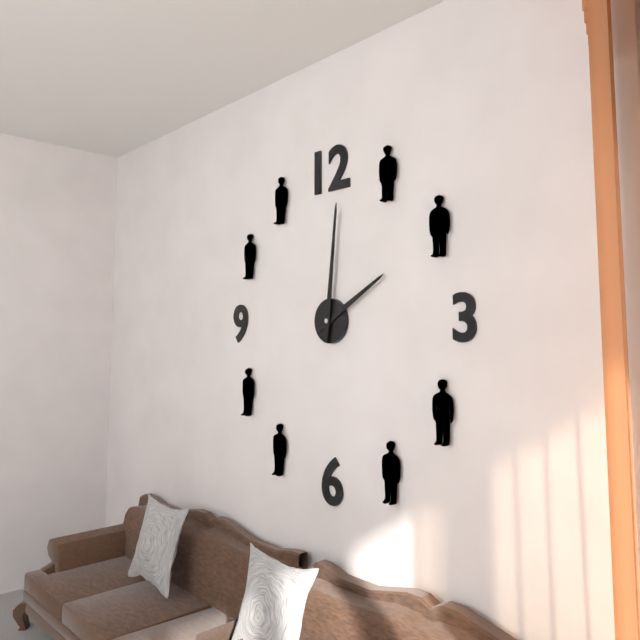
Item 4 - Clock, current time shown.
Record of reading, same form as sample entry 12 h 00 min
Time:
2 h 01 min
